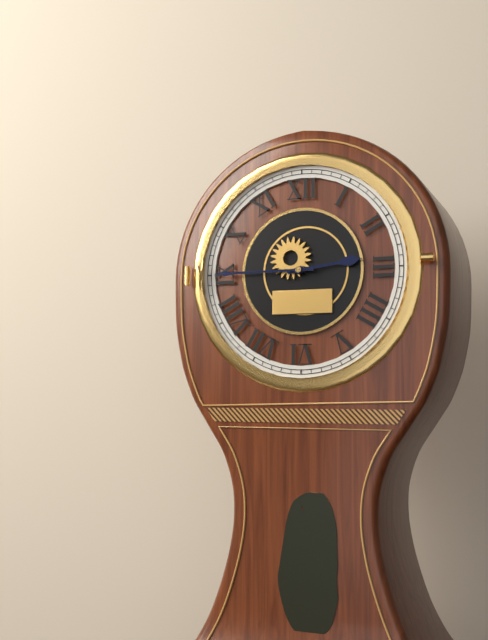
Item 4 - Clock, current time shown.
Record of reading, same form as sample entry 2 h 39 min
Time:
2 h 45 min
